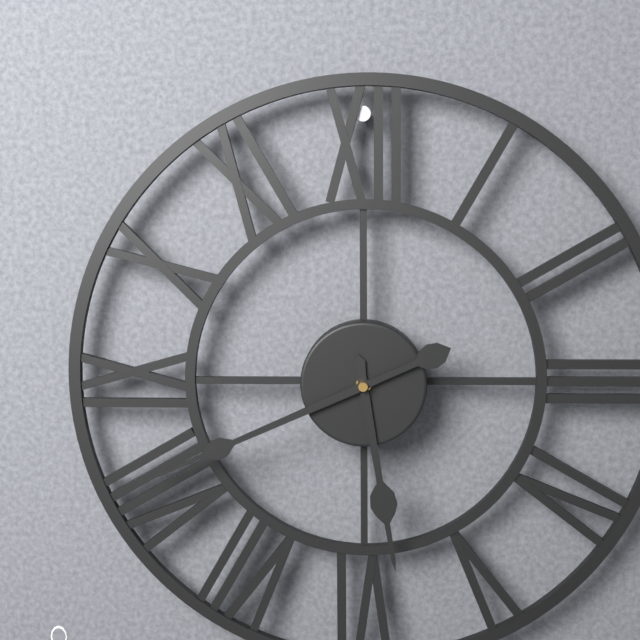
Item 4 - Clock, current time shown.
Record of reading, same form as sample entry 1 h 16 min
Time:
5 h 41 min
